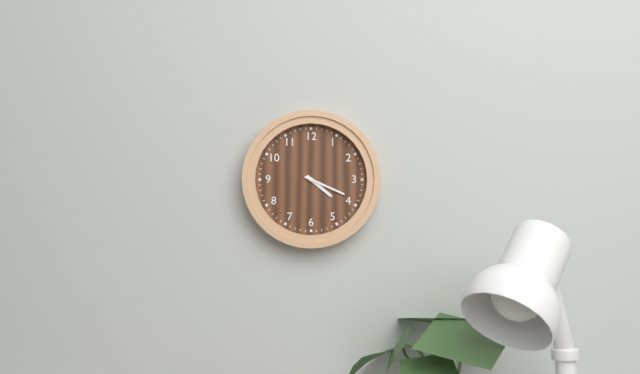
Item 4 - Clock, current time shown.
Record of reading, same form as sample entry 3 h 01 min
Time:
4 h 19 min
